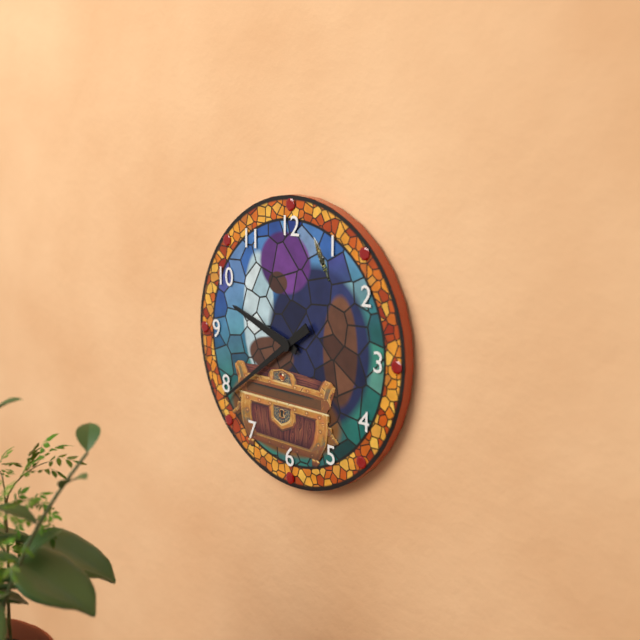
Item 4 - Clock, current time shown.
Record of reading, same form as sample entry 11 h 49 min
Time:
9 h 39 min
